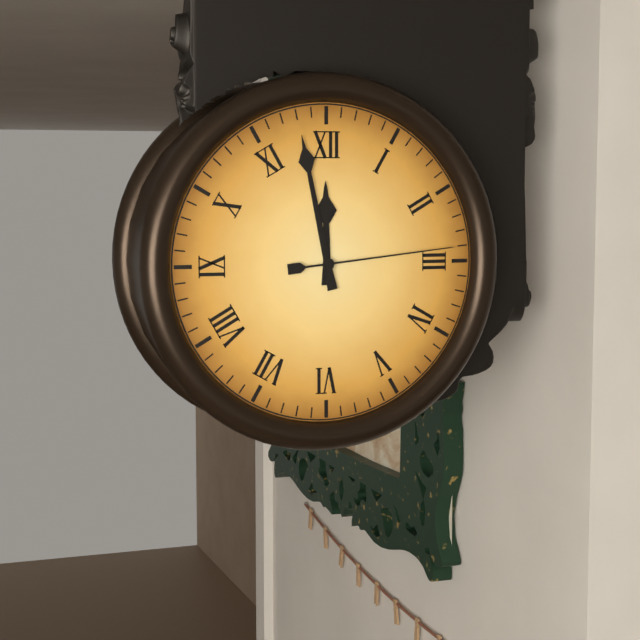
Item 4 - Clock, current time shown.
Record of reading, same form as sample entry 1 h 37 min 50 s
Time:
11 h 58 min 14 s
